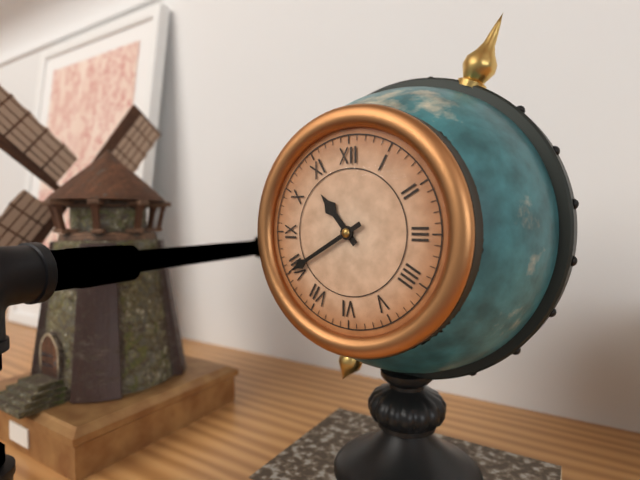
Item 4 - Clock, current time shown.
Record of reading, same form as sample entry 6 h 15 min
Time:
10 h 40 min
